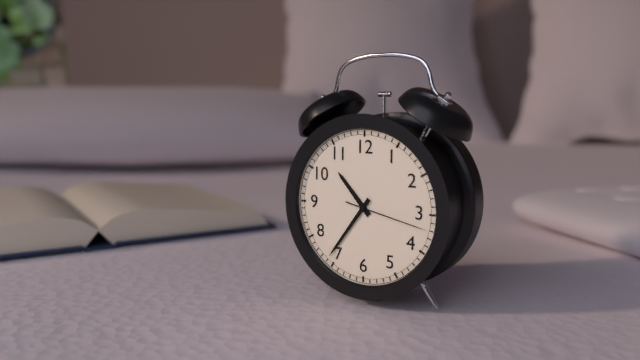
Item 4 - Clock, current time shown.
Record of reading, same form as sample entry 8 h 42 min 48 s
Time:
10 h 36 min 17 s
